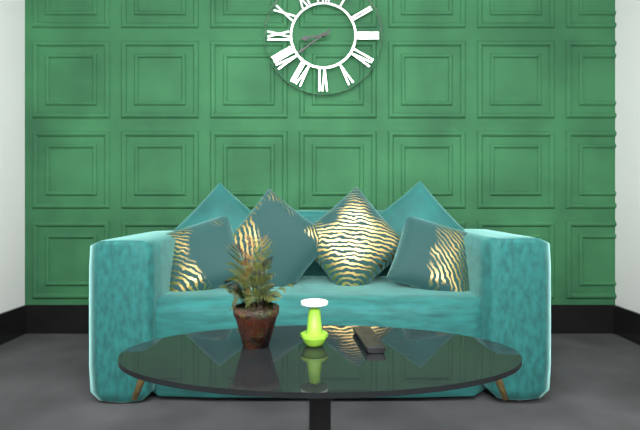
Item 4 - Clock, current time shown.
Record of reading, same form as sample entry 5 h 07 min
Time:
8 h 39 min
